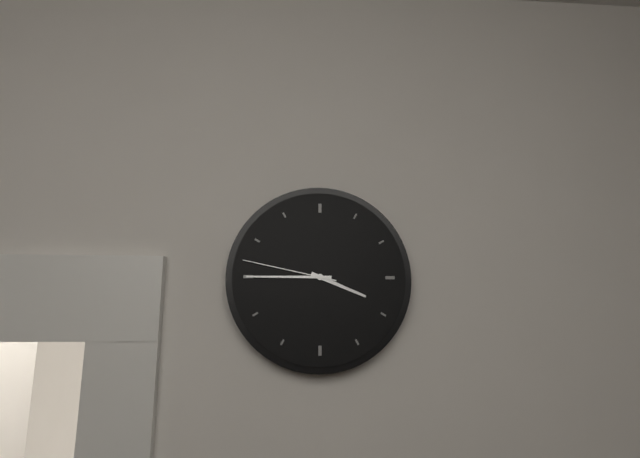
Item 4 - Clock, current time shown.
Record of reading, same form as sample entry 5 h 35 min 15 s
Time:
3 h 45 min 47 s
